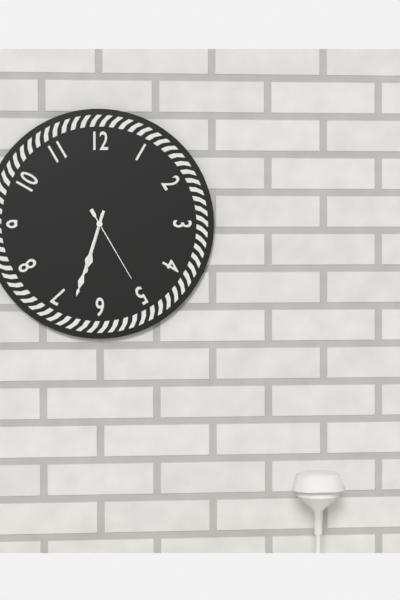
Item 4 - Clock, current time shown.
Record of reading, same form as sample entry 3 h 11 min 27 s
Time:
6 h 33 min 25 s
